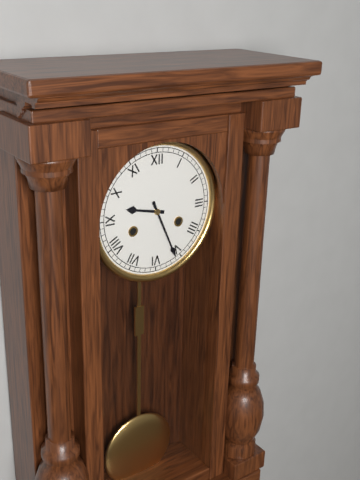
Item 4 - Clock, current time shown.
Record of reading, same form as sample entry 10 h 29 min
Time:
9 h 26 min
